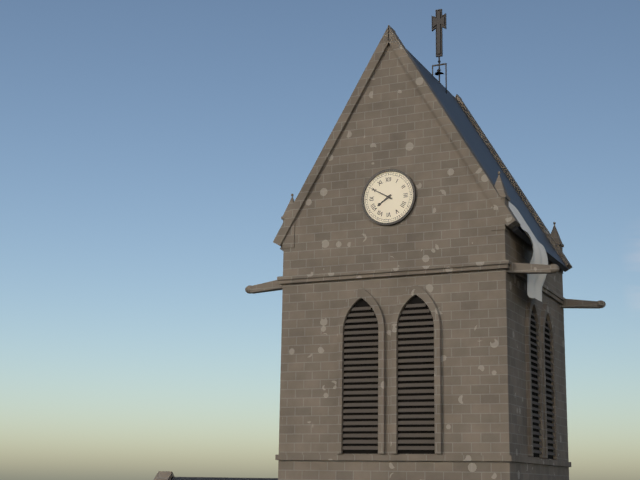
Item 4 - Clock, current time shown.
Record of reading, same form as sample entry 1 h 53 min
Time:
7 h 50 min
